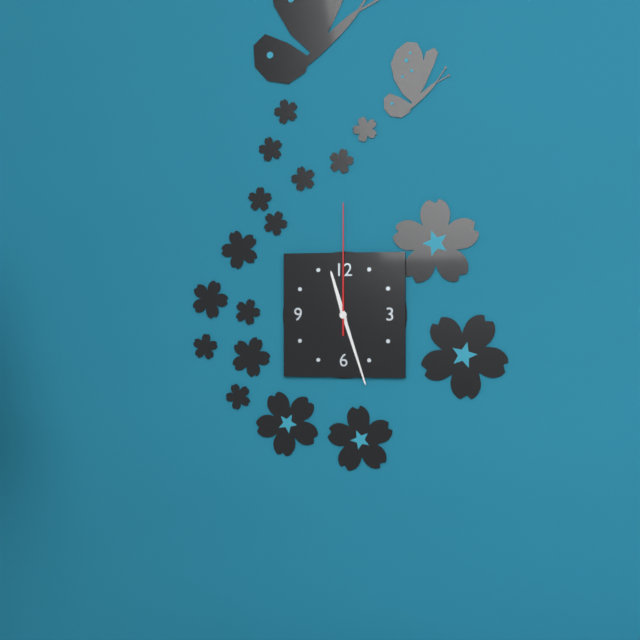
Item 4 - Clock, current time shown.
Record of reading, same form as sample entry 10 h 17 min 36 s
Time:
11 h 27 min 00 s
